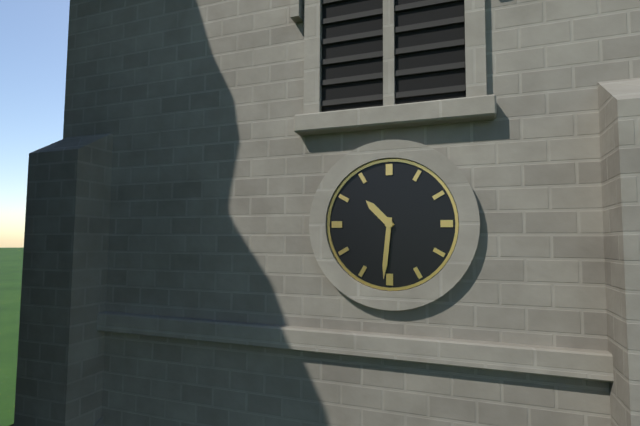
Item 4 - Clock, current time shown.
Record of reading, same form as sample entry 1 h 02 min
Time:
10 h 31 min
